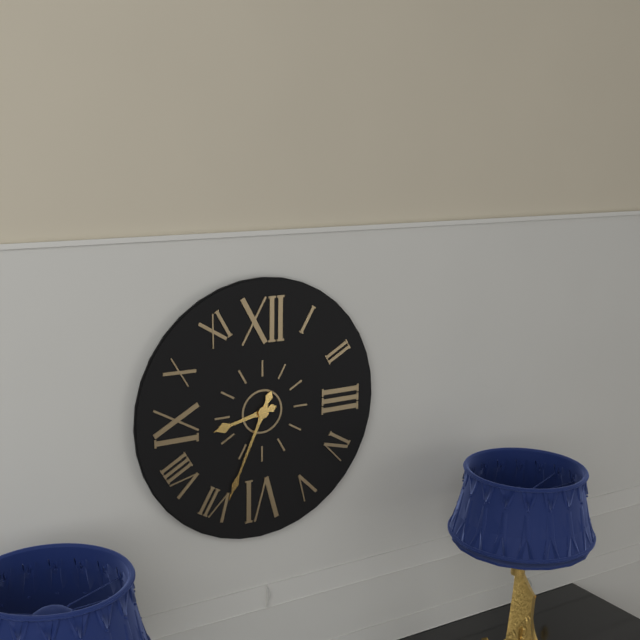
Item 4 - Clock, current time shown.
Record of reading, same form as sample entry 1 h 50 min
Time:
8 h 34 min
